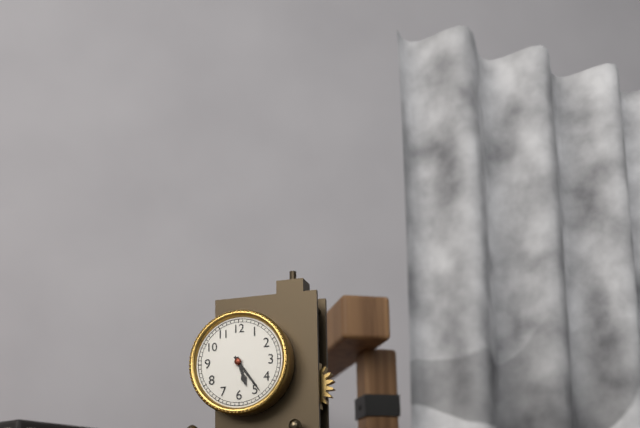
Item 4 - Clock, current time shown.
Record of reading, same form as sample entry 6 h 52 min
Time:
5 h 24 min
